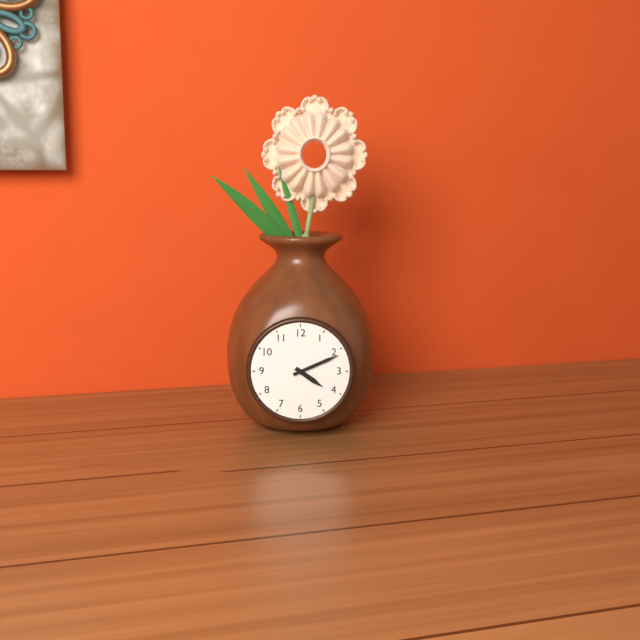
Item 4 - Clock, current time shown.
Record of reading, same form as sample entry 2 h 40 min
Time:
4 h 11 min
